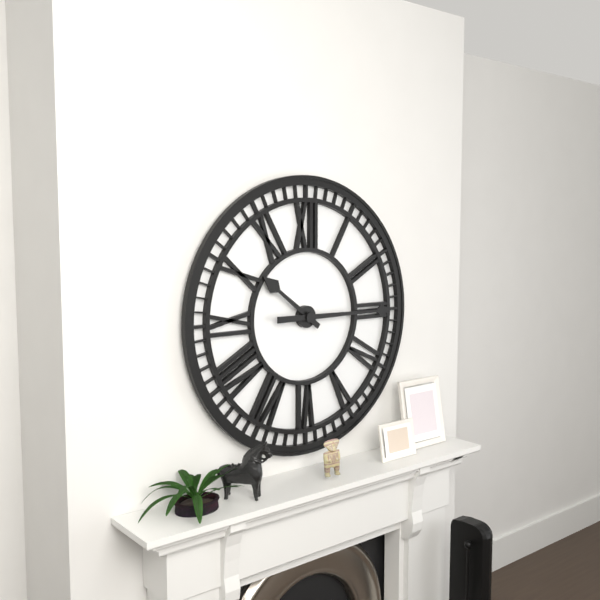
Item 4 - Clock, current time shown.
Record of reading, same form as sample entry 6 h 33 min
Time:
10 h 15 min
